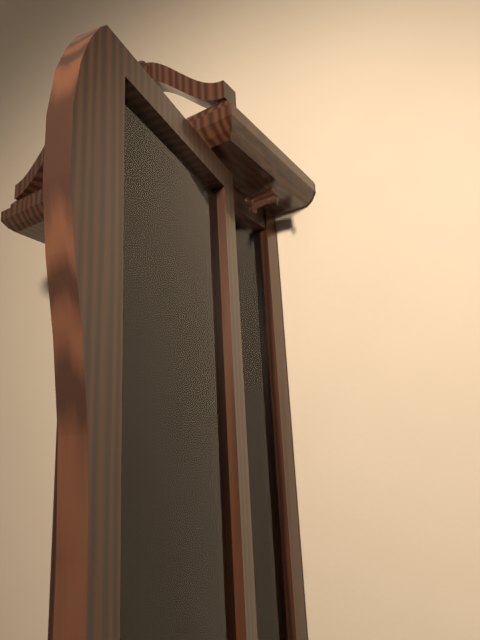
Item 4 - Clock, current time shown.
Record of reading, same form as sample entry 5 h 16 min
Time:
10 h 45 min
